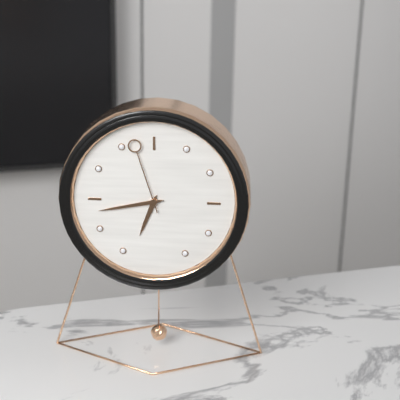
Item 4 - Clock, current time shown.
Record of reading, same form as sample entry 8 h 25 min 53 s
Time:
6 h 43 min 57 s
